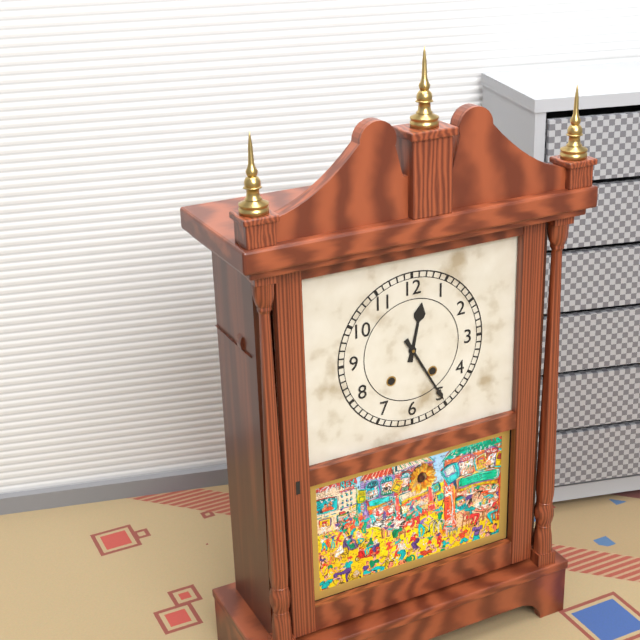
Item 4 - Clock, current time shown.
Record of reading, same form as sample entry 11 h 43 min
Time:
12 h 25 min
